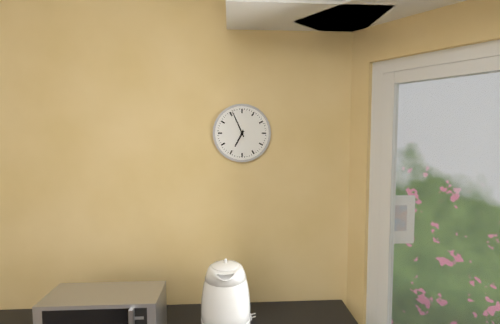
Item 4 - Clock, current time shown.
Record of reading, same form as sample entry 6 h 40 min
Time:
6 h 56 min
